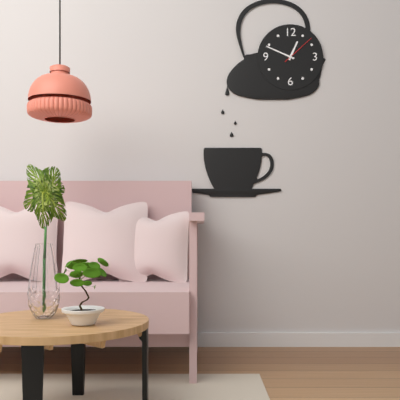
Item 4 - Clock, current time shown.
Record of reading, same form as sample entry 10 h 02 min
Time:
12 h 49 min
